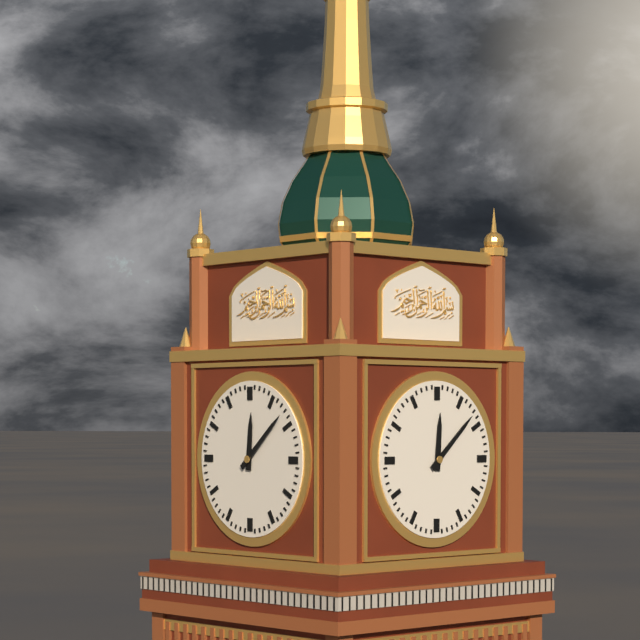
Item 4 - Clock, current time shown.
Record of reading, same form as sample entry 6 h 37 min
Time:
12 h 08 min
